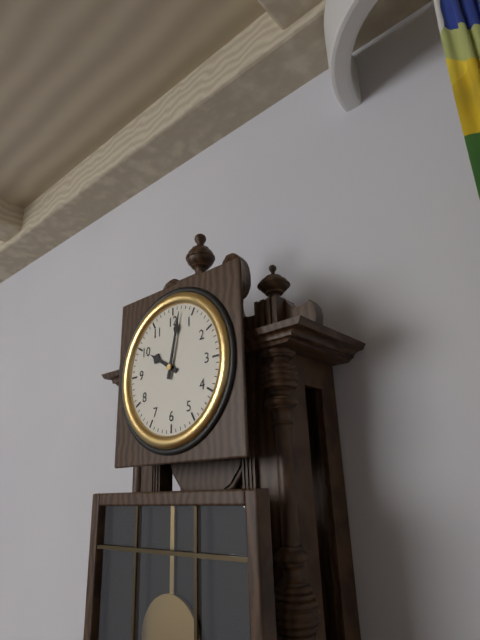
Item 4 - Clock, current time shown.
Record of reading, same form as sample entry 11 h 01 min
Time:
10 h 02 min
